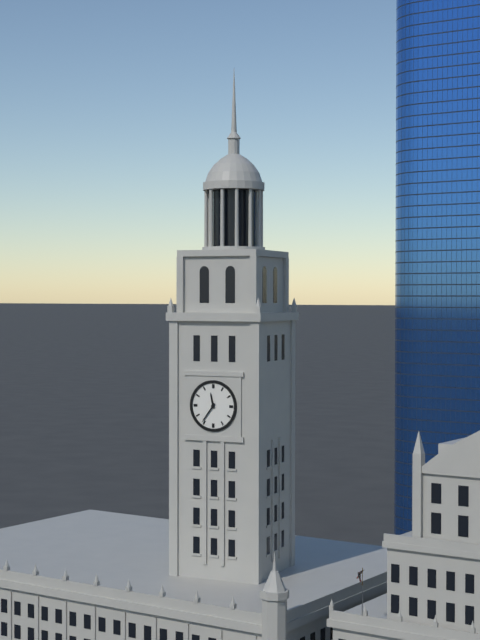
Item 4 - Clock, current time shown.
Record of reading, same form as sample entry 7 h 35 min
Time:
11 h 36 min
